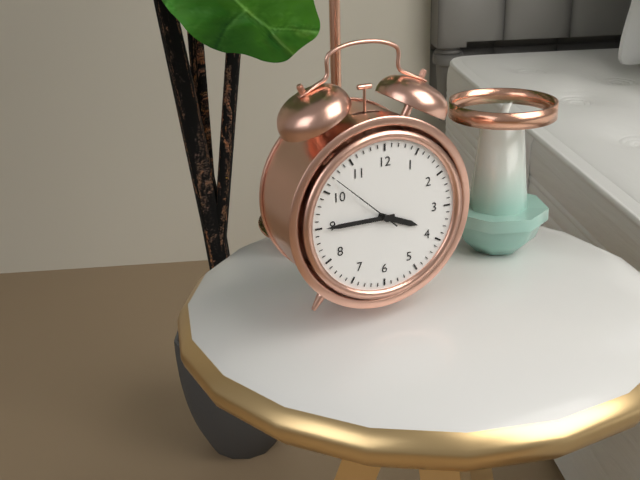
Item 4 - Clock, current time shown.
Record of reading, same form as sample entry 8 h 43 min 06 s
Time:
3 h 45 min 52 s
